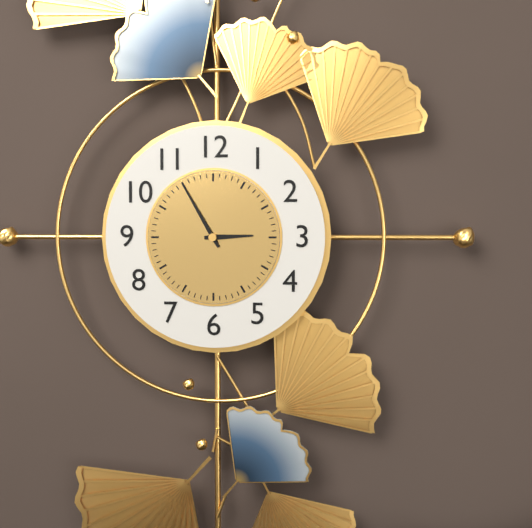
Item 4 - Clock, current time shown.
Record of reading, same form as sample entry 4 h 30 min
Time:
2 h 55 min
